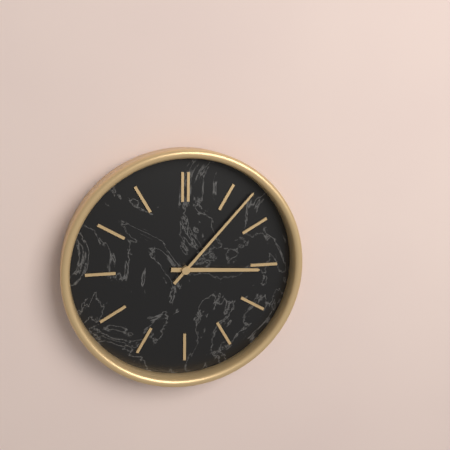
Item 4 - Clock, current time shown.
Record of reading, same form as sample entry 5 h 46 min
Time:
3 h 07 min
